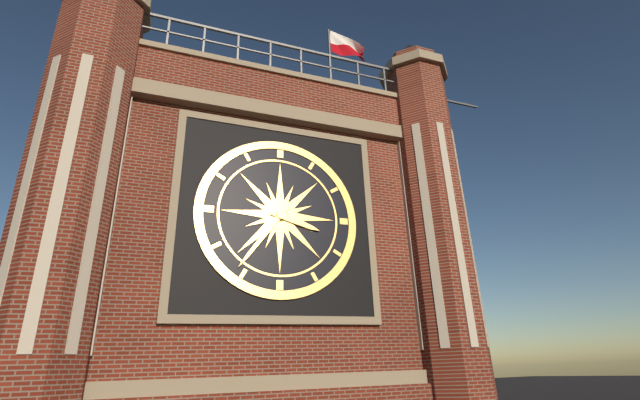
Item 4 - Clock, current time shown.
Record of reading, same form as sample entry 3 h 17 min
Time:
3 h 36 min
